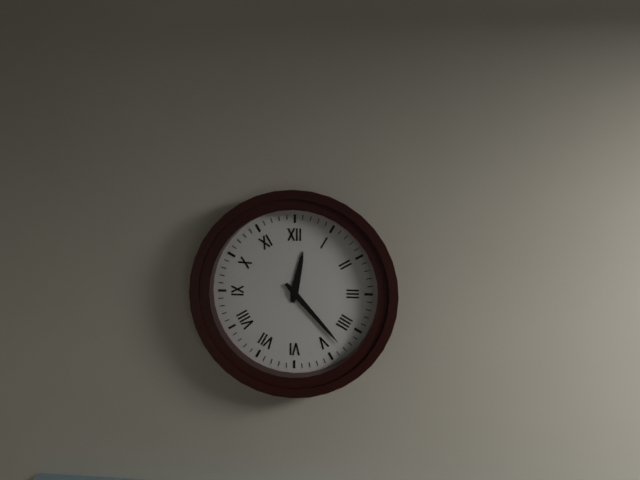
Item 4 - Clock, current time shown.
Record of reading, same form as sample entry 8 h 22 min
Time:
12 h 23 min
